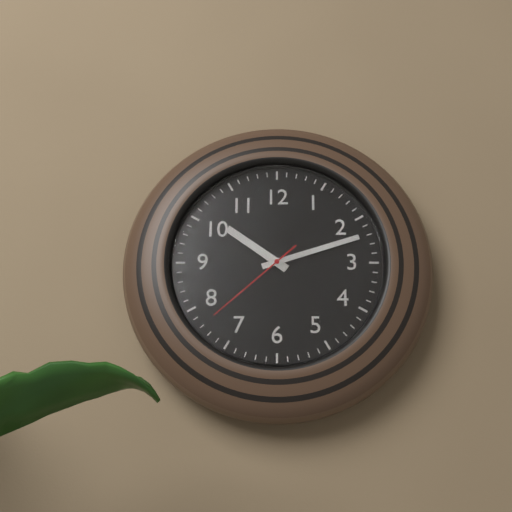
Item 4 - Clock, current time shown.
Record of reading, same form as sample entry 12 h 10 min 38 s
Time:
10 h 12 min 38 s
